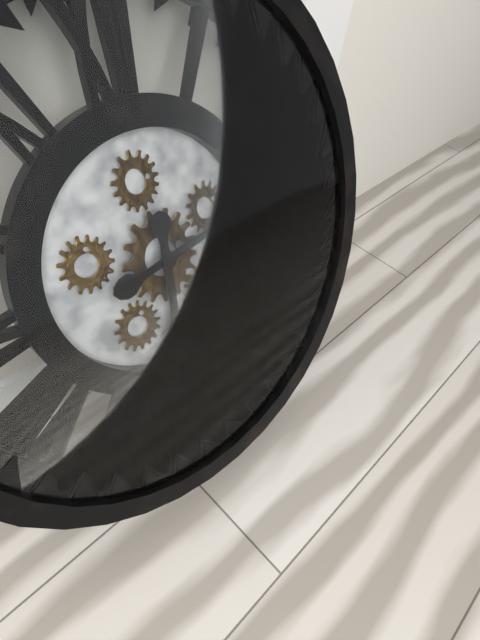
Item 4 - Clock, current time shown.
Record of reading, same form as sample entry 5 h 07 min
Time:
6 h 14 min
